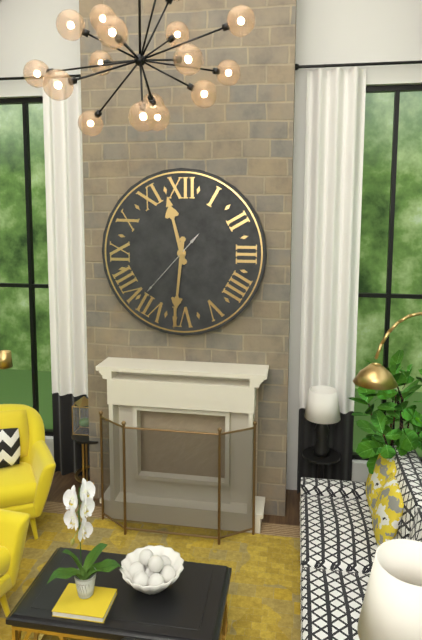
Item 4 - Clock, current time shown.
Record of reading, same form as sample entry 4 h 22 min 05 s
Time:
11 h 31 min 37 s
